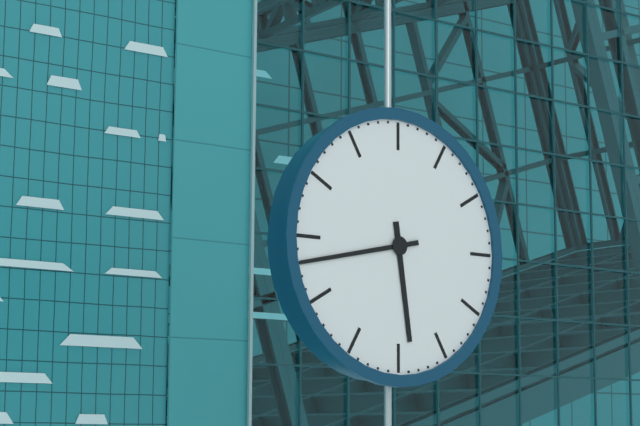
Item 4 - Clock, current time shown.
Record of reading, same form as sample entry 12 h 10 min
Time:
5 h 43 min
